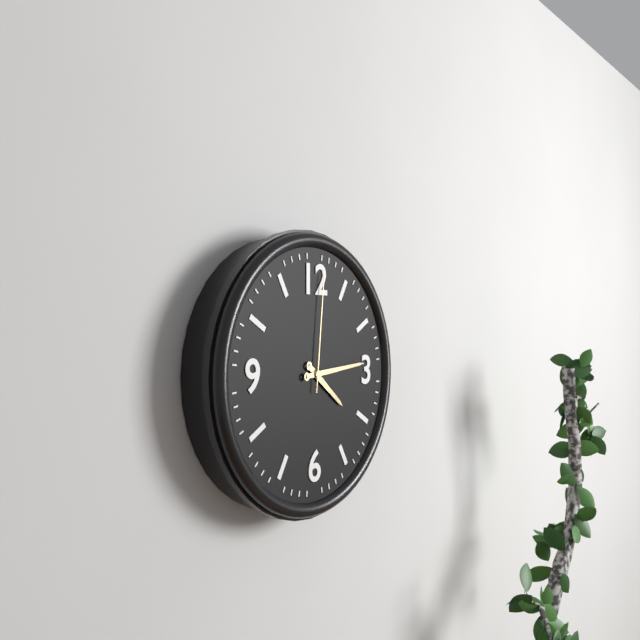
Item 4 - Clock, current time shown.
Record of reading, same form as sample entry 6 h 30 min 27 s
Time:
4 h 14 min 01 s
